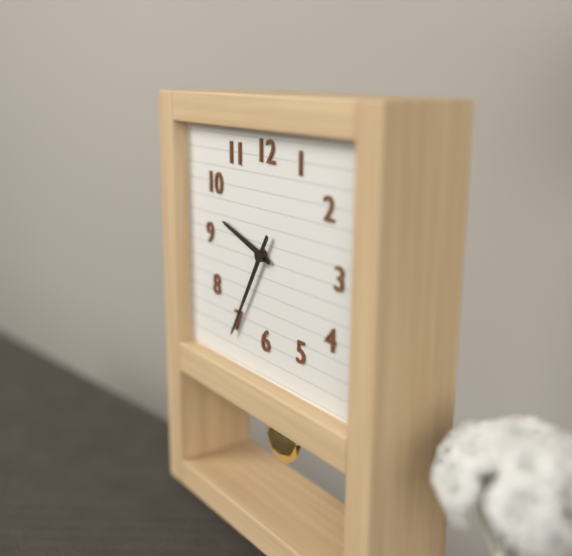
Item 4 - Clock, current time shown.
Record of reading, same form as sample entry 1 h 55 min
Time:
9 h 35 min
